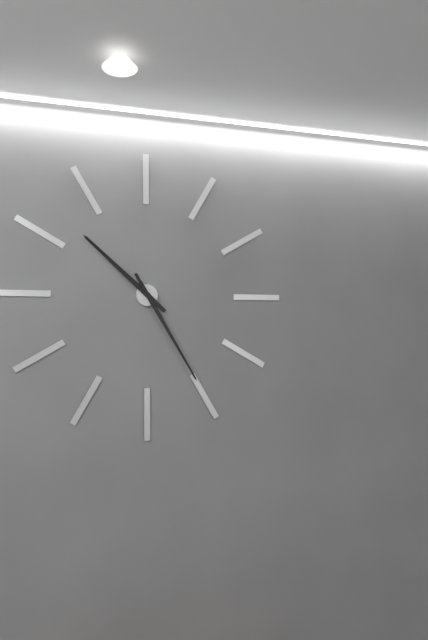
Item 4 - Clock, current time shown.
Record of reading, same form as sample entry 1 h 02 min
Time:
10 h 25 min
